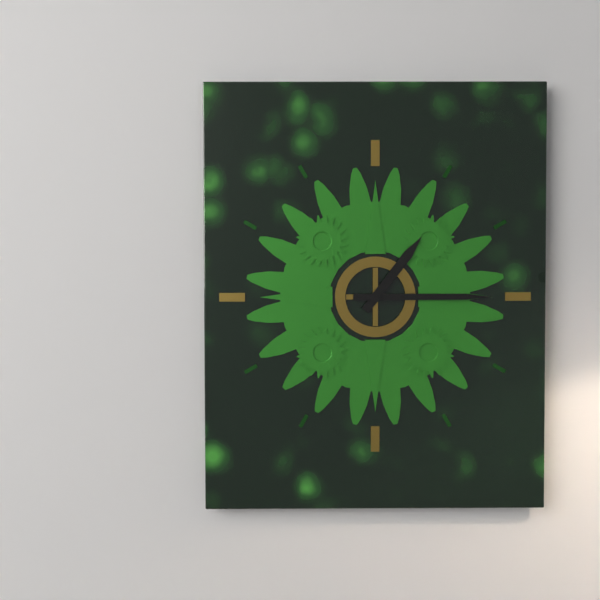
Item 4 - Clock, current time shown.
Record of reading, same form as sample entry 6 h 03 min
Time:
1 h 15 min
